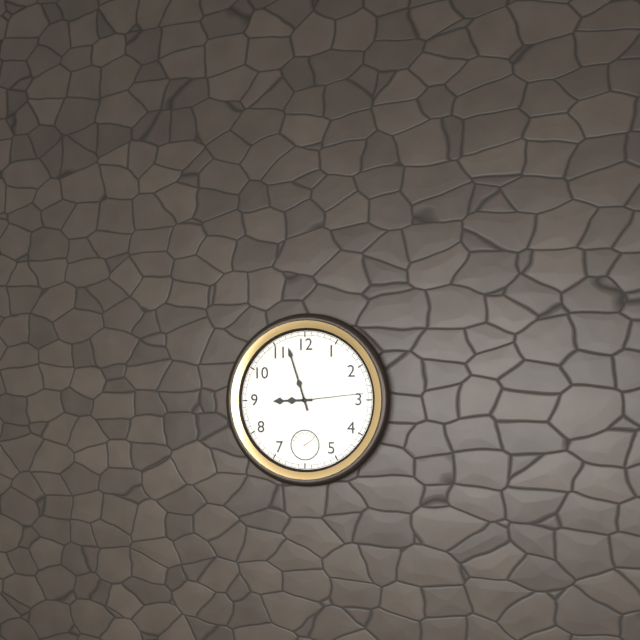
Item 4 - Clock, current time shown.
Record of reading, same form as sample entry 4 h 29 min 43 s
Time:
8 h 57 min 14 s
